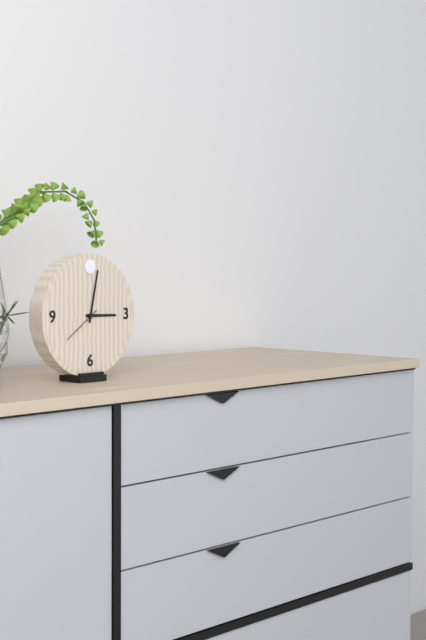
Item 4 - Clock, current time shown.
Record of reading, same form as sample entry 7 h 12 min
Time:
3 h 02 min
